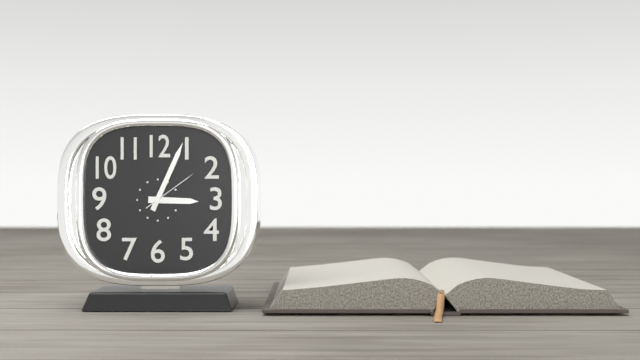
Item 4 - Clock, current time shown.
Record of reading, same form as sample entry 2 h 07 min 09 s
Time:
3 h 04 min 09 s
